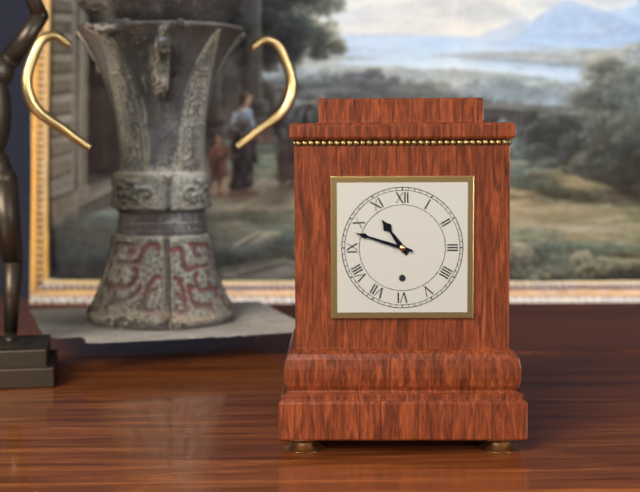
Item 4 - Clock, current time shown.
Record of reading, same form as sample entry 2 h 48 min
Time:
10 h 48 min
